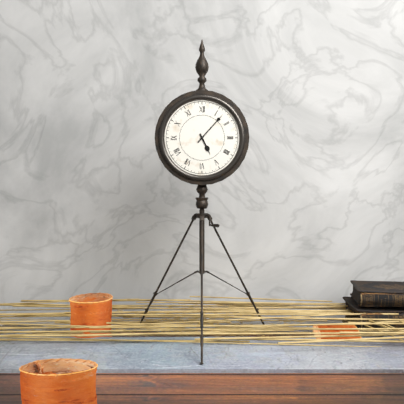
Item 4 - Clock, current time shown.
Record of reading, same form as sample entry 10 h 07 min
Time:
5 h 07 min
